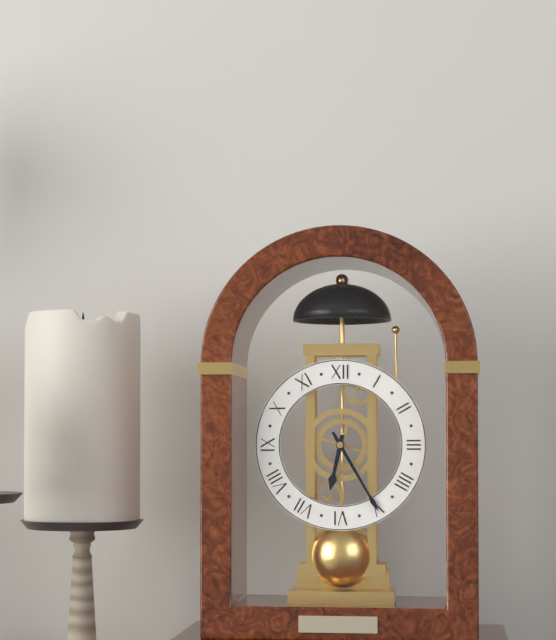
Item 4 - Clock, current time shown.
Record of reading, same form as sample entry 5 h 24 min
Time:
6 h 25 min
